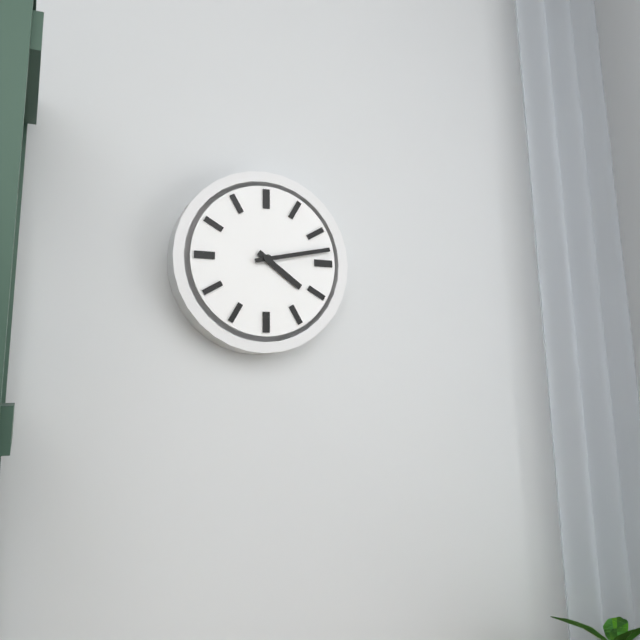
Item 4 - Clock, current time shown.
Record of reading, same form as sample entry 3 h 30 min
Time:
4 h 13 min
